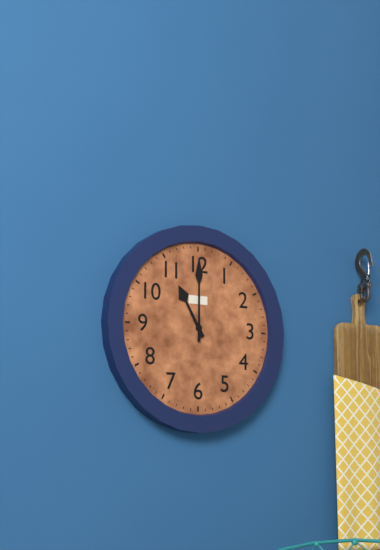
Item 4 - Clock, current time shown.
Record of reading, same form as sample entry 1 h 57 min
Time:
11 h 00 min
